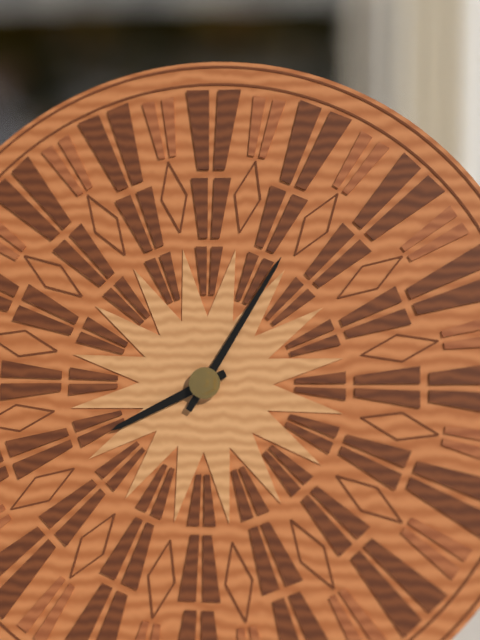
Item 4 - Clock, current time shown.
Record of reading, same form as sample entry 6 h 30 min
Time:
8 h 05 min
